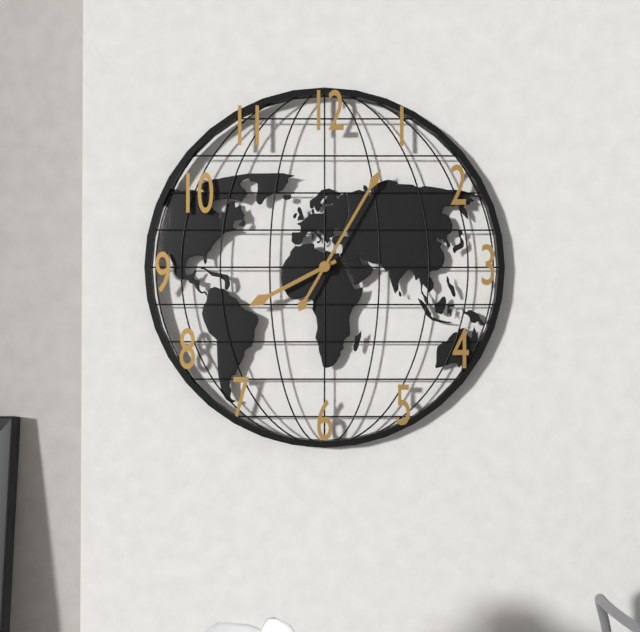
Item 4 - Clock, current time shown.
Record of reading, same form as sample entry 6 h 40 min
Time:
8 h 05 min
